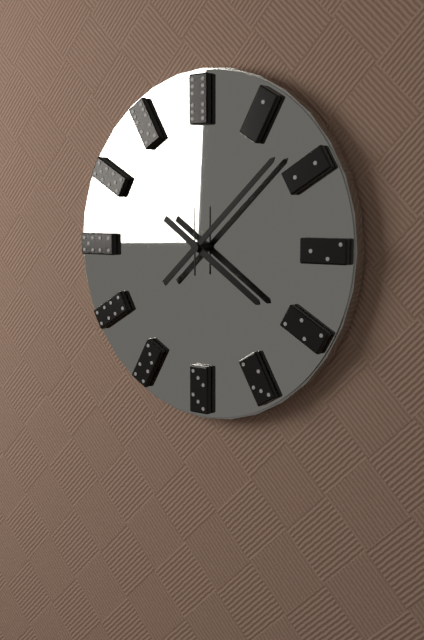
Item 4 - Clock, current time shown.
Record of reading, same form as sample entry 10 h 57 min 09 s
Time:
4 h 08 min 00 s
